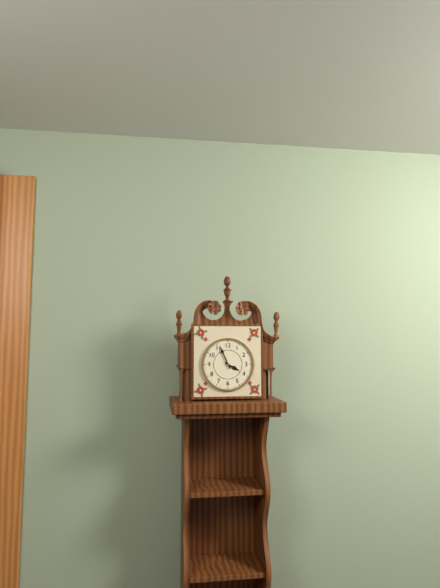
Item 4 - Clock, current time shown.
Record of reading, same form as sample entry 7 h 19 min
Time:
3 h 56 min
